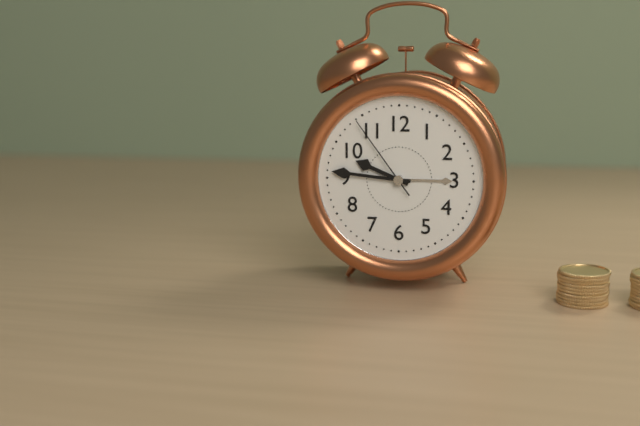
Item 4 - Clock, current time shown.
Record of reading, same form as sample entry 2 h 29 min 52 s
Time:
9 h 46 min 54 s
